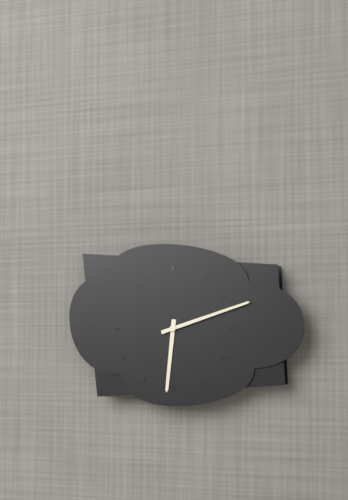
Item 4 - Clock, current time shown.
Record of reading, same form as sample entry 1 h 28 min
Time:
6 h 12 min
